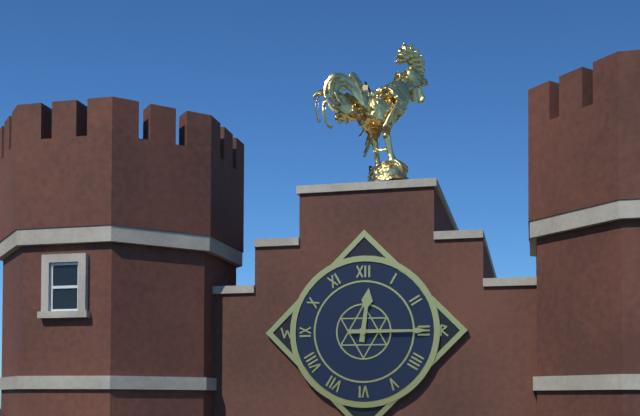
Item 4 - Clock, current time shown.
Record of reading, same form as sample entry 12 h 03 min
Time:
12 h 15 min
